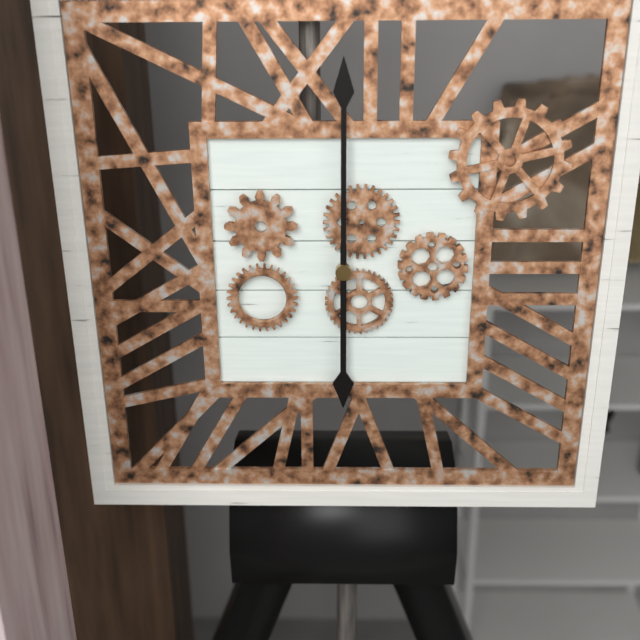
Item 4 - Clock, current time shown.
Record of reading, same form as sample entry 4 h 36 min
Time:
6 h 00 min
